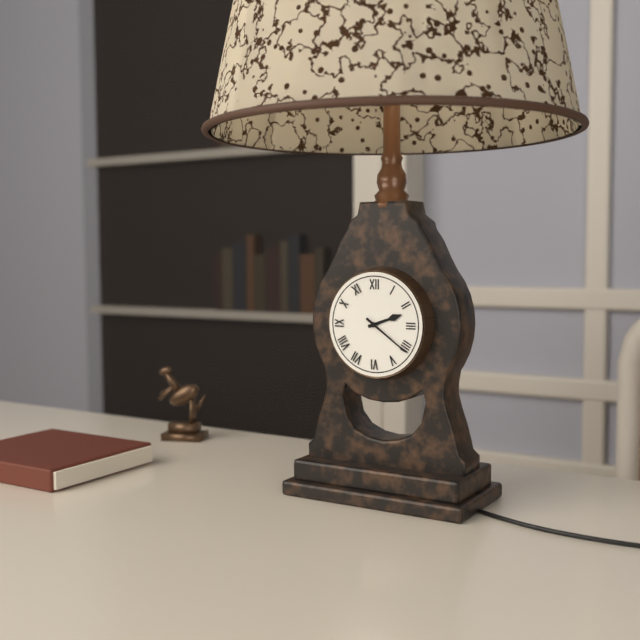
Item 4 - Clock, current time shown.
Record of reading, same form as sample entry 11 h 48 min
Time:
2 h 21 min
